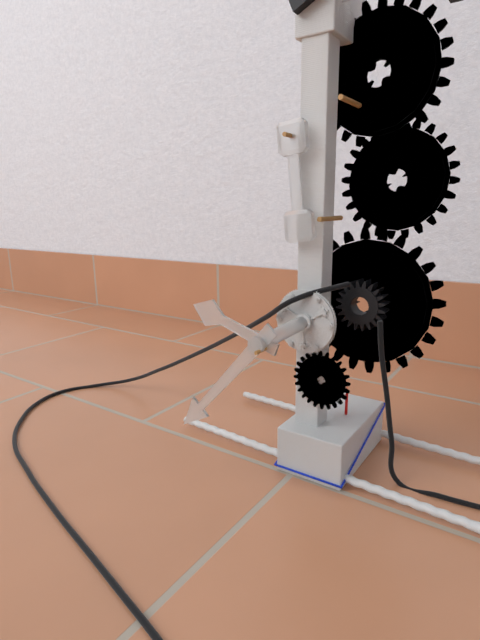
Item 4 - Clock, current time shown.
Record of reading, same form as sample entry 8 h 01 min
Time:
9 h 37 min
